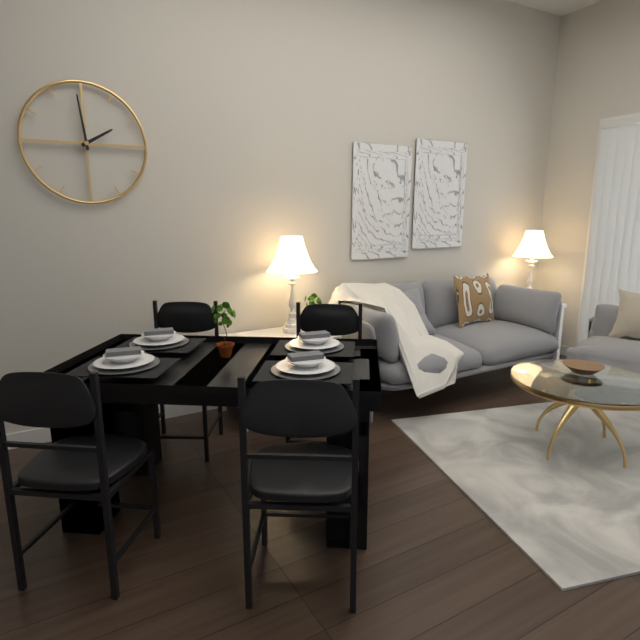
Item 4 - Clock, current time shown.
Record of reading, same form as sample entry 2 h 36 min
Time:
1 h 59 min
